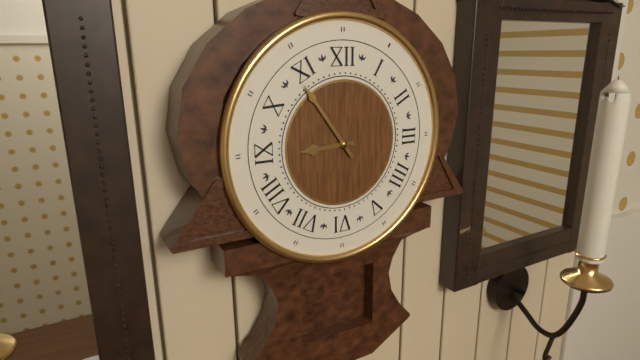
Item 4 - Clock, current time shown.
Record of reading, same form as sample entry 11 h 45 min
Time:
8 h 54 min
